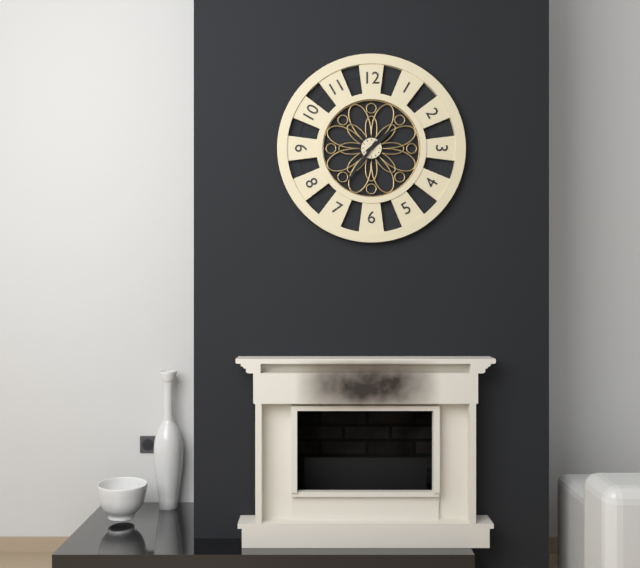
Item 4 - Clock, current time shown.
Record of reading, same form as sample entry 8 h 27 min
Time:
1 h 36 min
